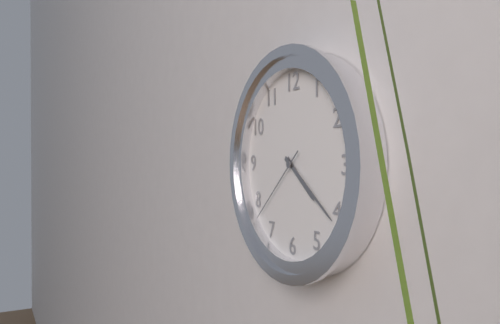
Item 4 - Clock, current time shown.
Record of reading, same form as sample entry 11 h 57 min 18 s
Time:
4 h 21 min 38 s
